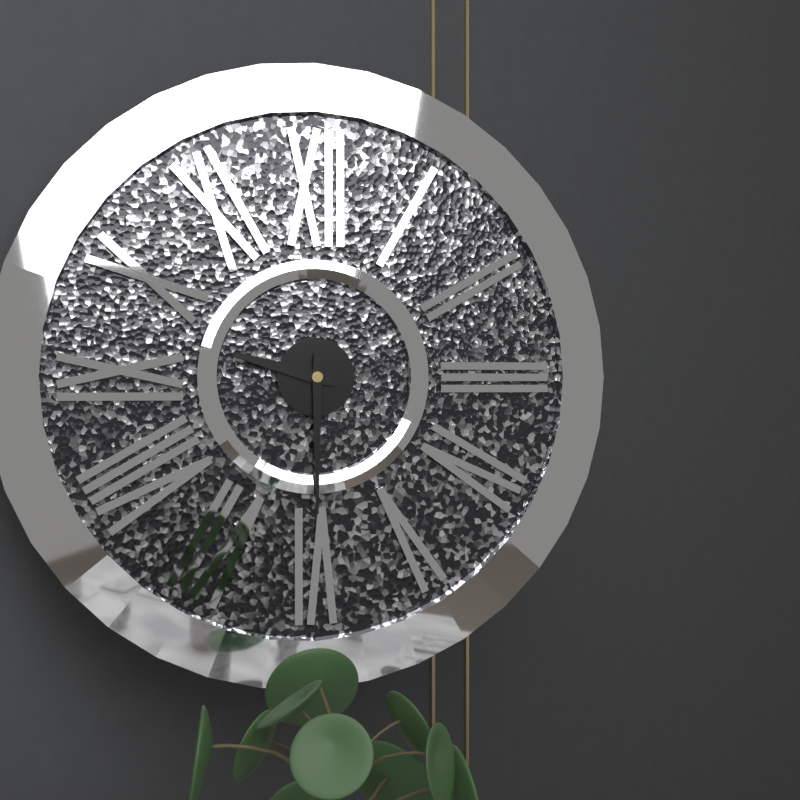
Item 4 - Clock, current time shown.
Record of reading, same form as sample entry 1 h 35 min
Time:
9 h 30 min
